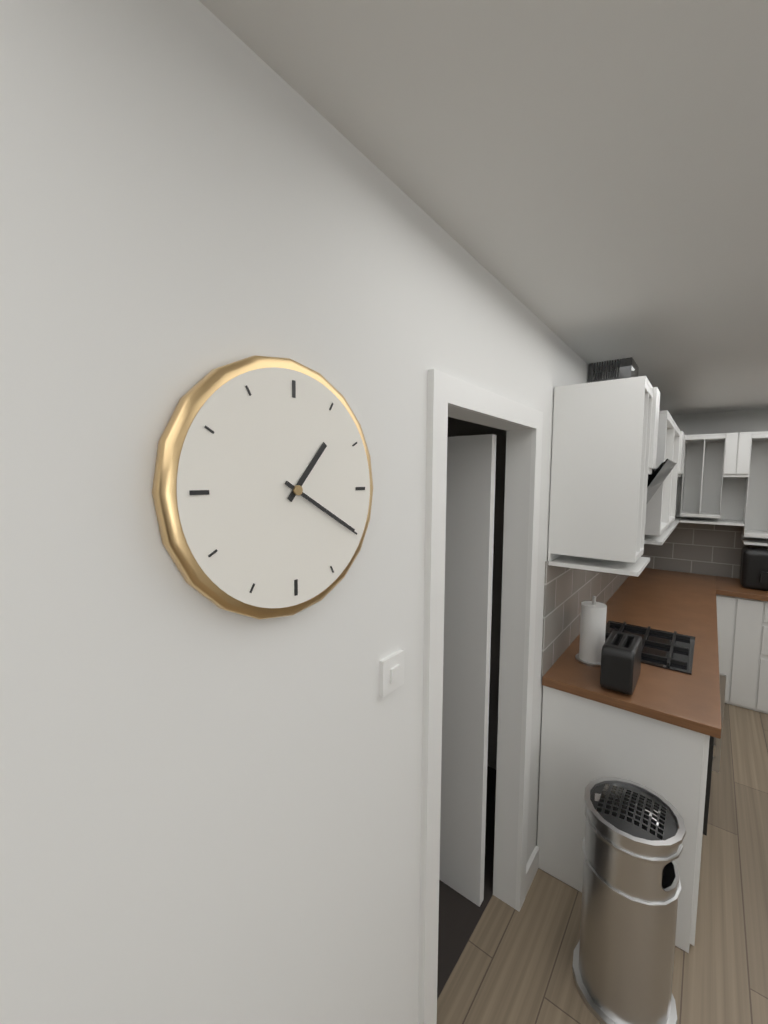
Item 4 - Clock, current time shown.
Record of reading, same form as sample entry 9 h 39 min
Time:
1 h 20 min
